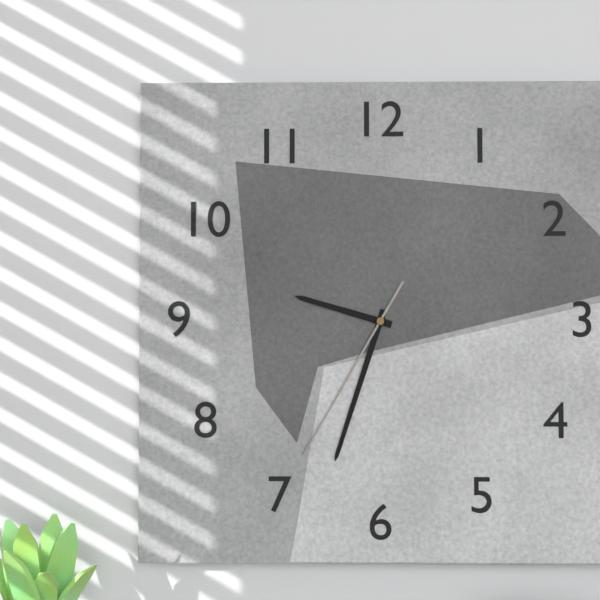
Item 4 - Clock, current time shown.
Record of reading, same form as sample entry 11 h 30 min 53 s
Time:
9 h 33 min 35 s
